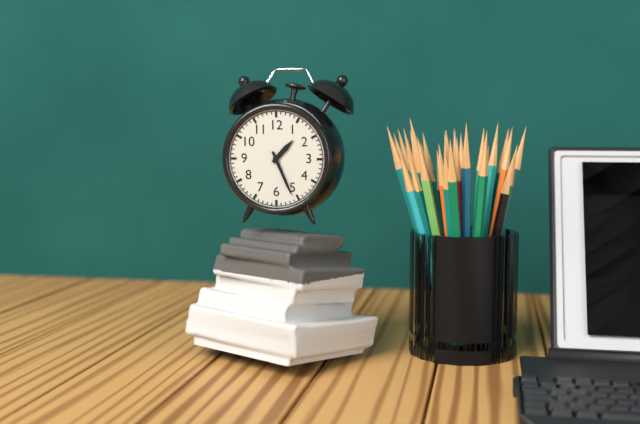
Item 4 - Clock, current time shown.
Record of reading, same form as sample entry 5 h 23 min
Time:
1 h 26 min
